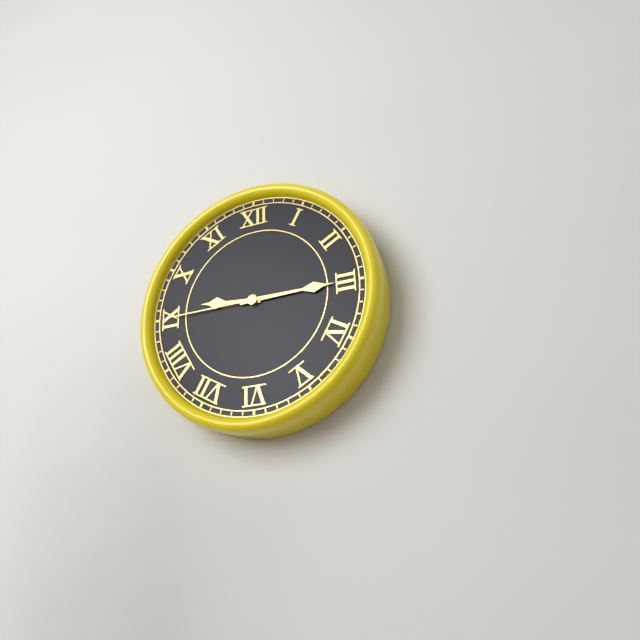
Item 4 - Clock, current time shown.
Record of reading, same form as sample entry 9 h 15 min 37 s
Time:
9 h 15 min 45 s
